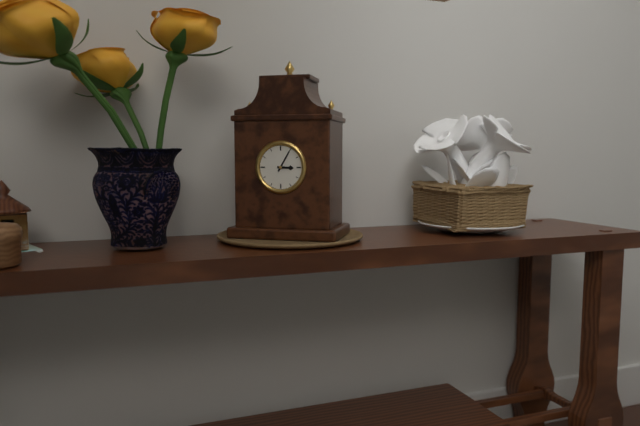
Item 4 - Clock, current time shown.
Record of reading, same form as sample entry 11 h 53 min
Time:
3 h 05 min
